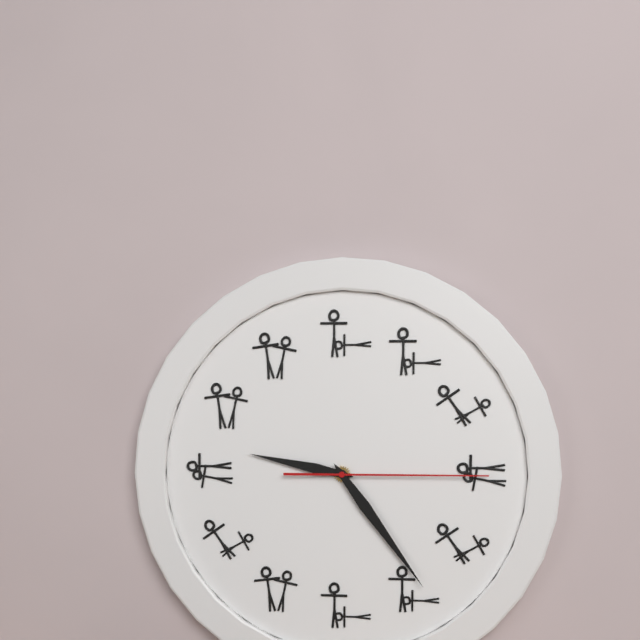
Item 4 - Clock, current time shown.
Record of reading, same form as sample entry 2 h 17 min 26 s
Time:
9 h 24 min 15 s
